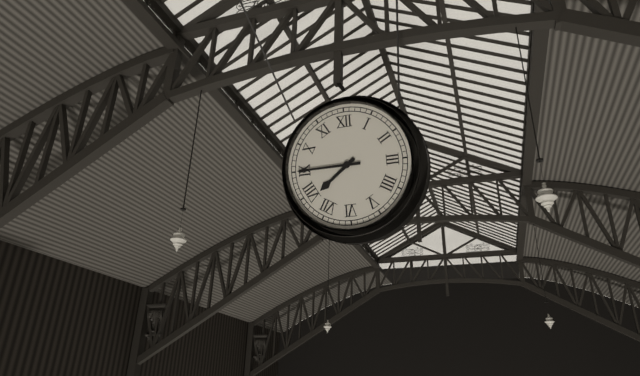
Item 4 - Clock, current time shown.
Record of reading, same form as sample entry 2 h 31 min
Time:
7 h 45 min
